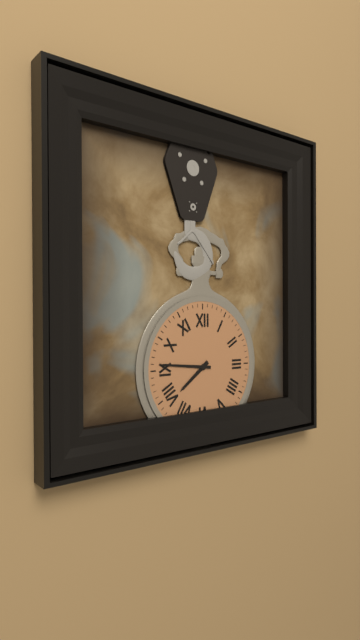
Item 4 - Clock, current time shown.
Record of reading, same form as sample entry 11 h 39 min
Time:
7 h 46 min
